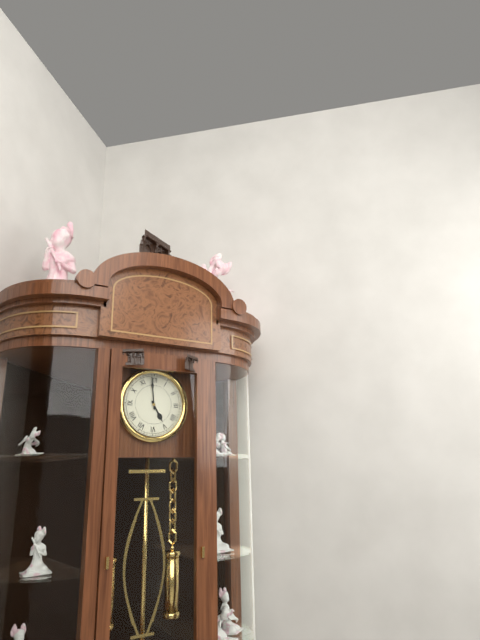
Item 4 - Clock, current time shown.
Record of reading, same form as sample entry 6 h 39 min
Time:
4 h 59 min
